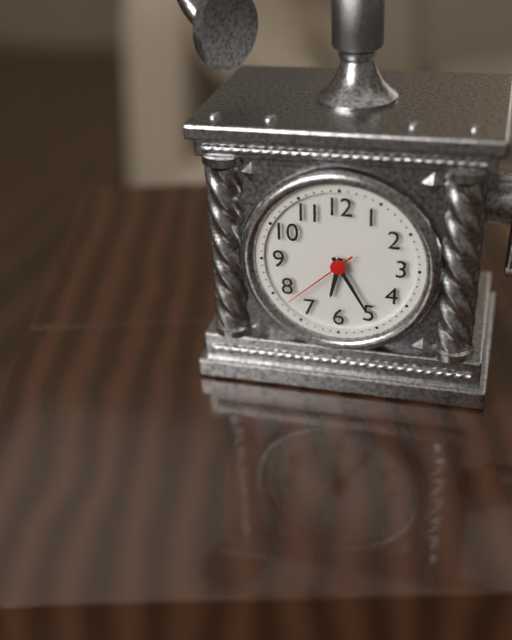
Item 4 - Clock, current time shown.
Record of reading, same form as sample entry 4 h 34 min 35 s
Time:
6 h 25 min 38 s
